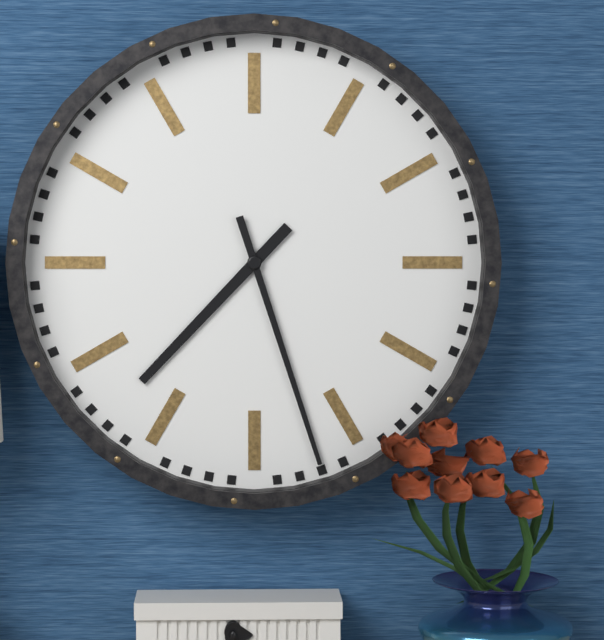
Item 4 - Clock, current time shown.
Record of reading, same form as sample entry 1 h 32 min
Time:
7 h 27 min
